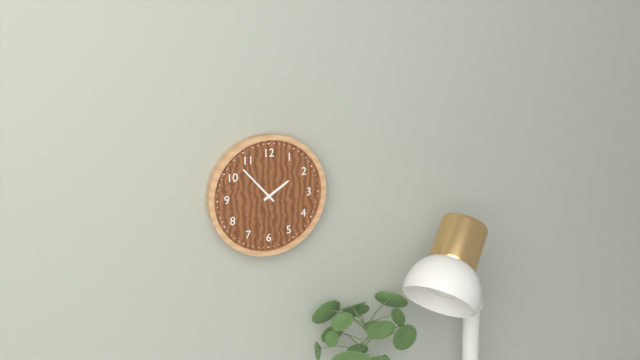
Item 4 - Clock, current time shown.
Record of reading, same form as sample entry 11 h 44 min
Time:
1 h 53 min
